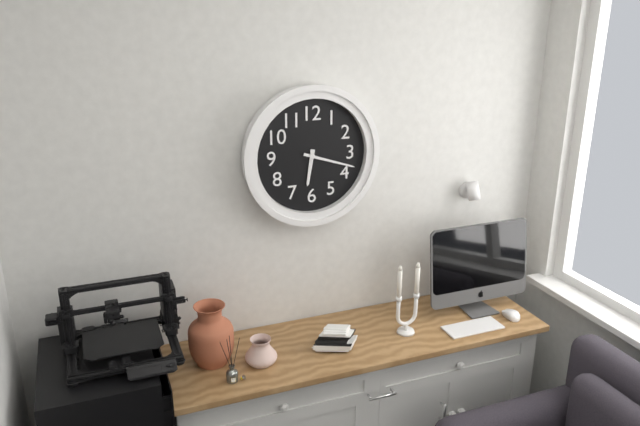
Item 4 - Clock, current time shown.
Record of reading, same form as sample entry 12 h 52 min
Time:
6 h 18 min
